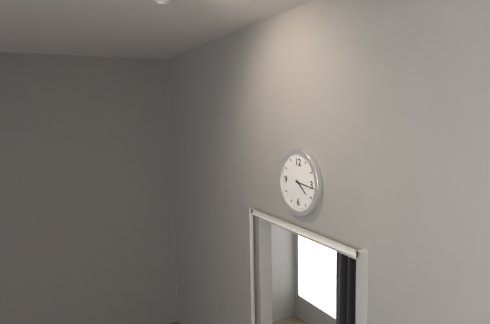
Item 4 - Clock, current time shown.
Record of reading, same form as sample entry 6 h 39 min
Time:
4 h 16 min
